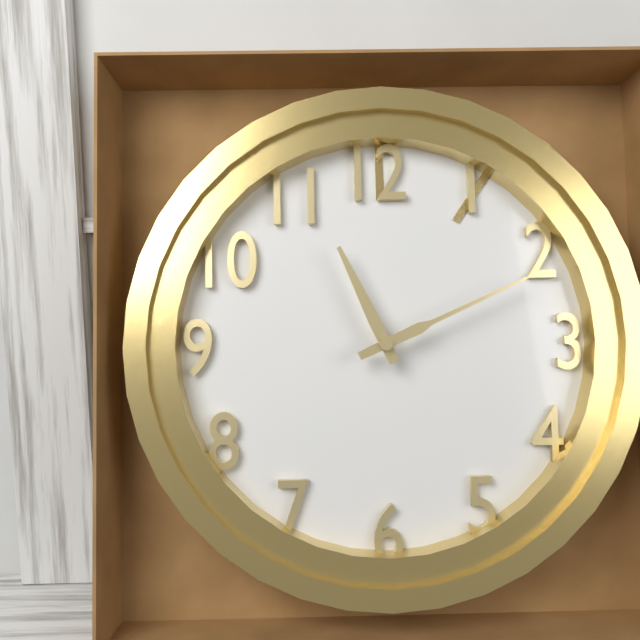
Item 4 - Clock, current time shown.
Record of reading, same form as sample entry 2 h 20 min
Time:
11 h 11 min
